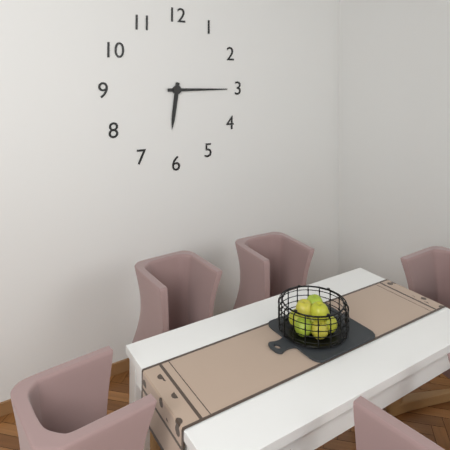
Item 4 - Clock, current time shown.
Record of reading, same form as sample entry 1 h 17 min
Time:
6 h 15 min
